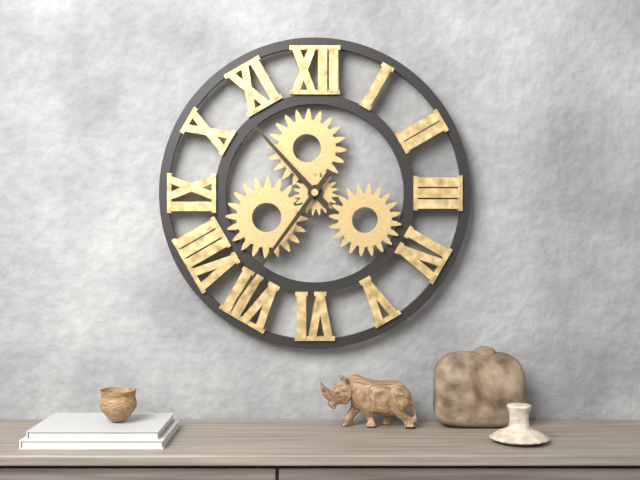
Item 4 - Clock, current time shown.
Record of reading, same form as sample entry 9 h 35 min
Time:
10 h 36 min
